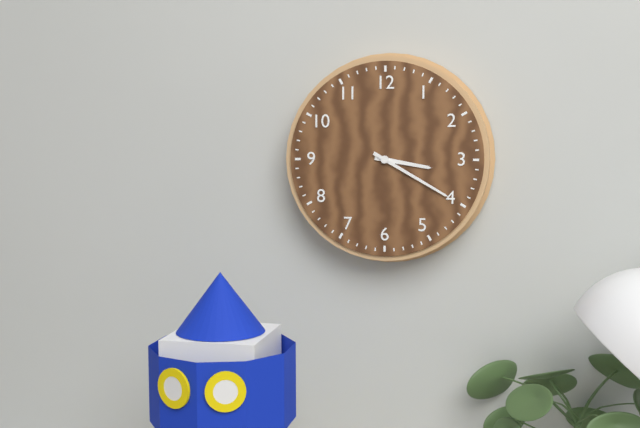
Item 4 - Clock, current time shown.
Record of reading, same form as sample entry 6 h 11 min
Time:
3 h 20 min
